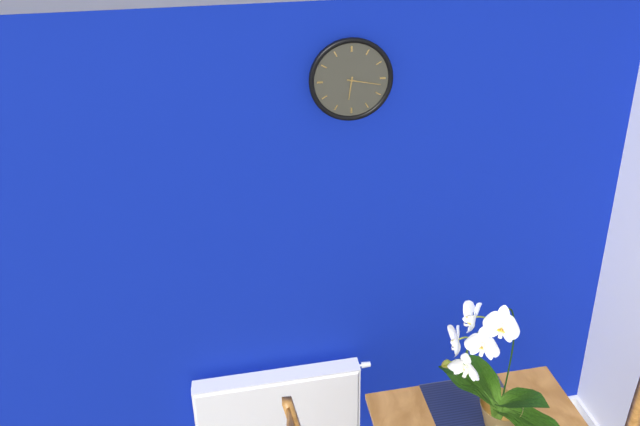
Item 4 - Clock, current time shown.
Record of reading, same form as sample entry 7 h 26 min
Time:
6 h 17 min
